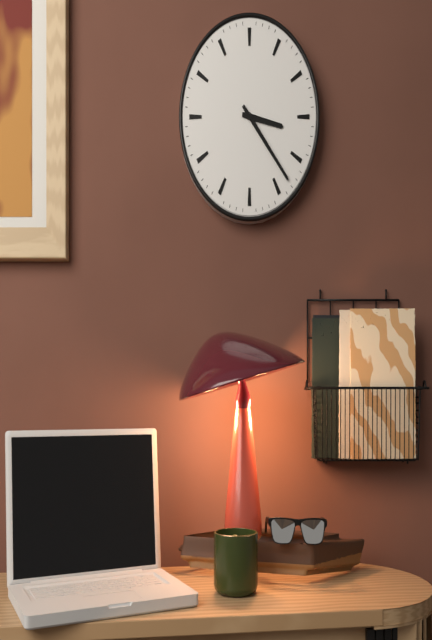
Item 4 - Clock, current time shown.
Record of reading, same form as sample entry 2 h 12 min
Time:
3 h 23 min
